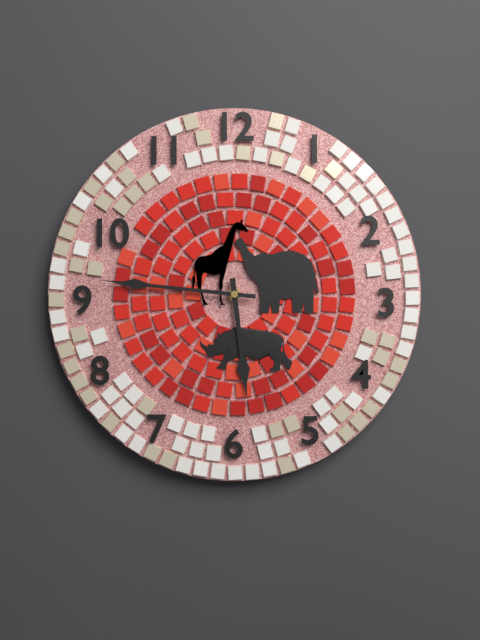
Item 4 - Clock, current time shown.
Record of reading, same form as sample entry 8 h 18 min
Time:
5 h 46 min
